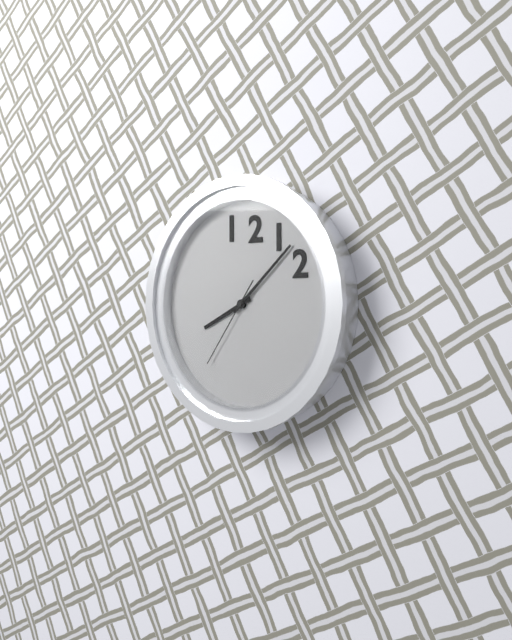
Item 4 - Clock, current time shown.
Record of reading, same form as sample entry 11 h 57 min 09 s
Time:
8 h 08 min 36 s
